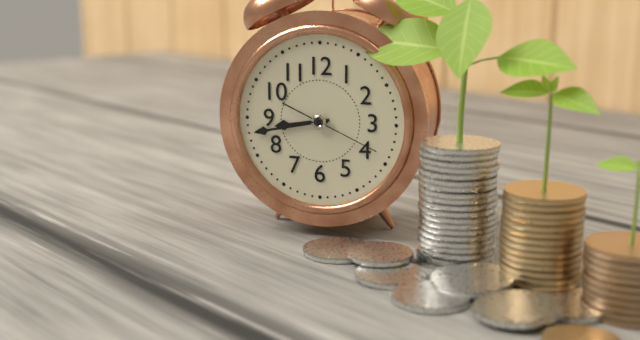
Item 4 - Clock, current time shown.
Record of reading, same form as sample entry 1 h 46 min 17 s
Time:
8 h 43 min 19 s
